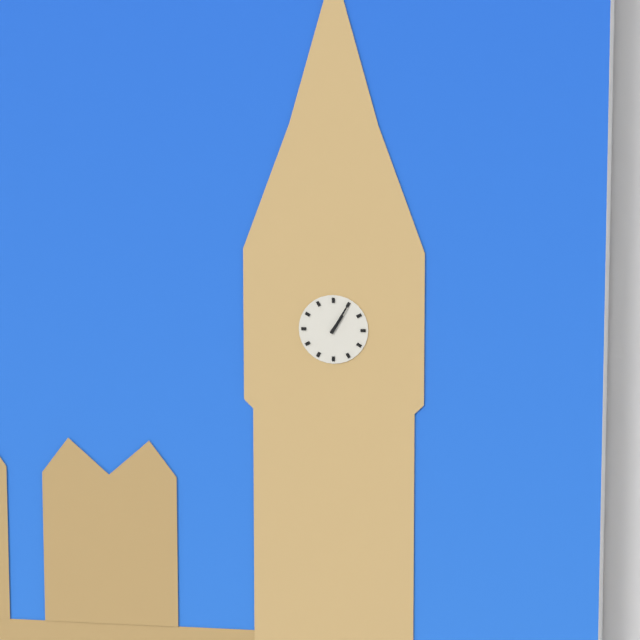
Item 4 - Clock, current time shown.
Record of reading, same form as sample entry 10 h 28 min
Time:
1 h 05 min
